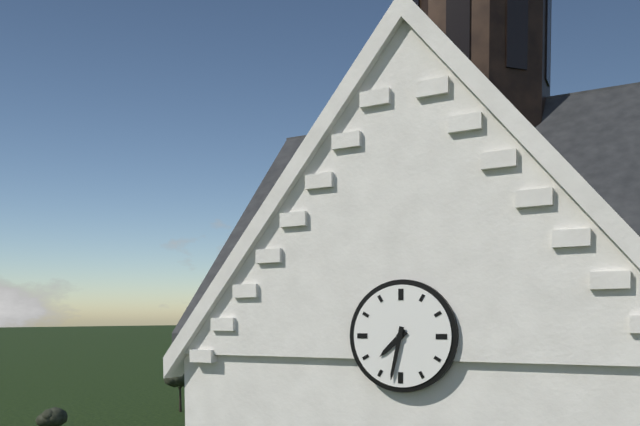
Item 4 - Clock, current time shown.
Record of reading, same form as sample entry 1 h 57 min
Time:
7 h 32 min
